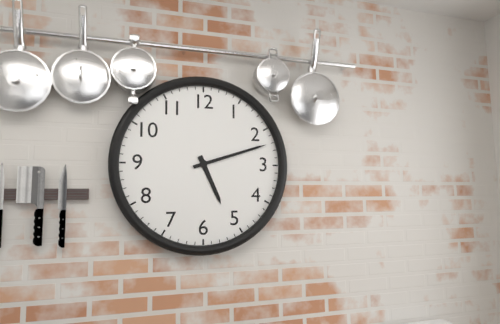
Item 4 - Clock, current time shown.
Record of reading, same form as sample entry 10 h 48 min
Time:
5 h 12 min
